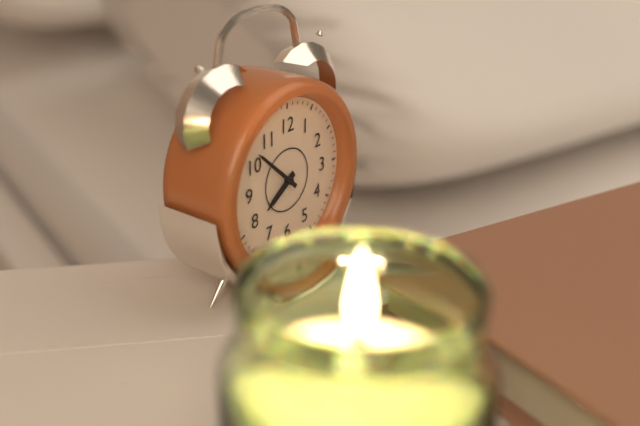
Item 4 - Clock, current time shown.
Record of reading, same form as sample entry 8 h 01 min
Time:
7 h 52 min
